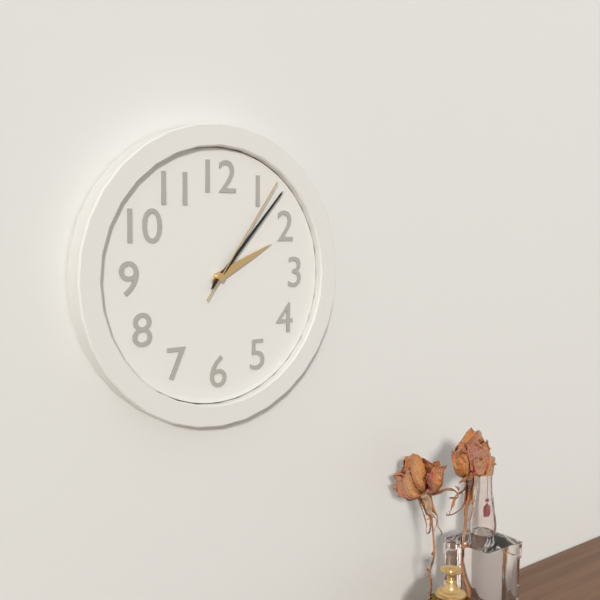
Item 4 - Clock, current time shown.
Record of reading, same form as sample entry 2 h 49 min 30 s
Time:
2 h 07 min 06 s
